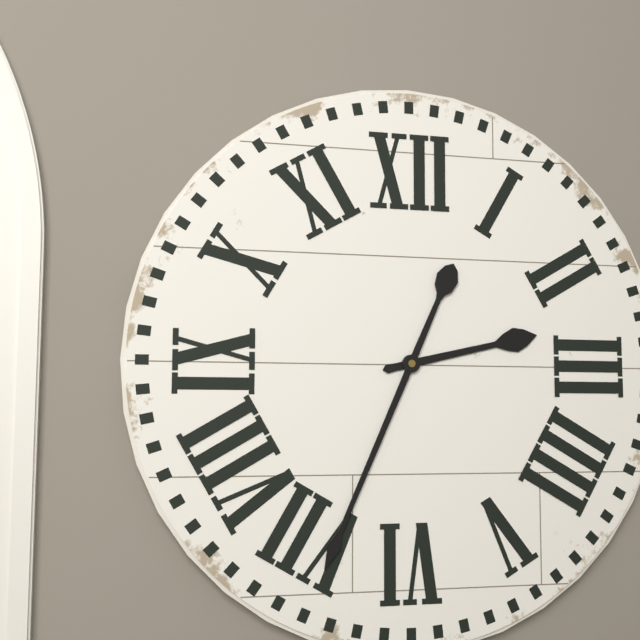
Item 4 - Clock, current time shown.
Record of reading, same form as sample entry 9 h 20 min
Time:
2 h 34 min
